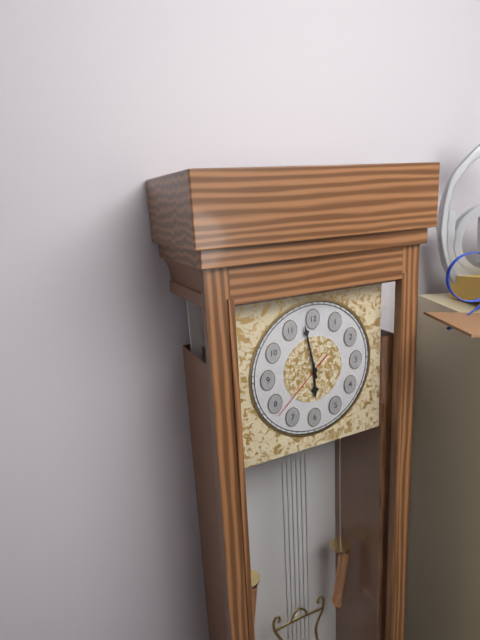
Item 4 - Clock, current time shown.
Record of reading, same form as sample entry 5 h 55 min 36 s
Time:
5 h 58 min 38 s
